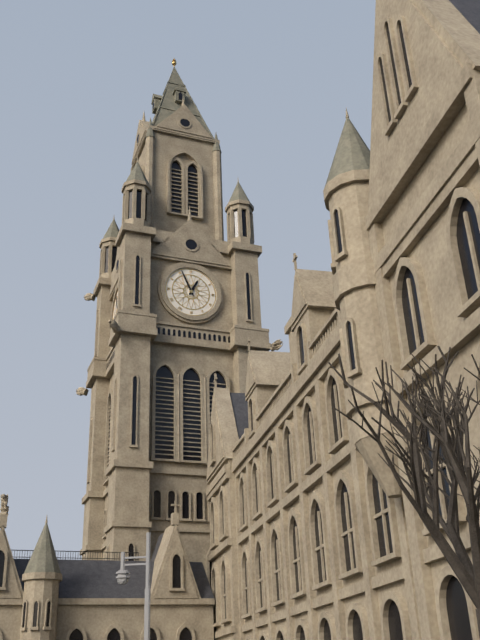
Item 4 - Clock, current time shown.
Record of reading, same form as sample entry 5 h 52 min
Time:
12 h 56 min
